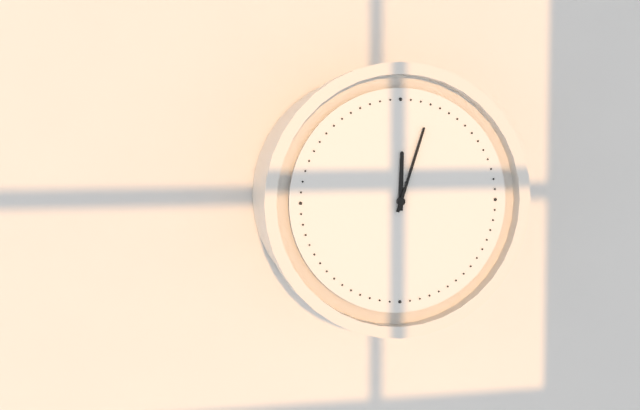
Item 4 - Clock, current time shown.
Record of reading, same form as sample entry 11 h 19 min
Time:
12 h 03 min
